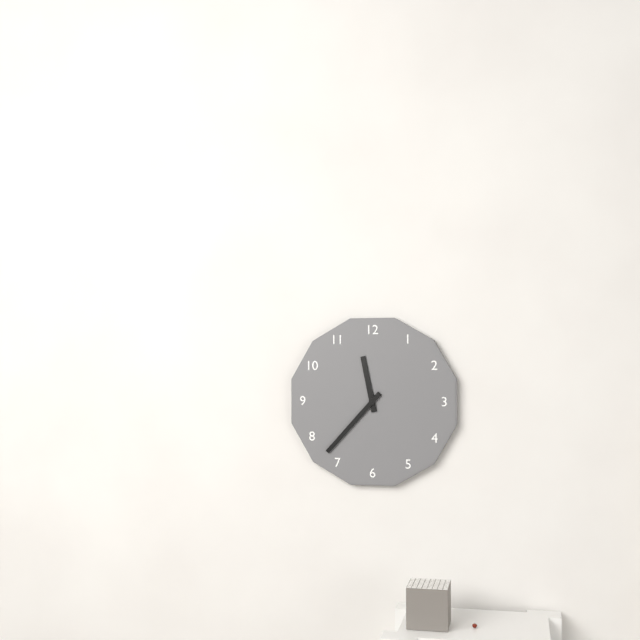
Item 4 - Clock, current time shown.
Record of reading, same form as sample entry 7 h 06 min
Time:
11 h 37 min
